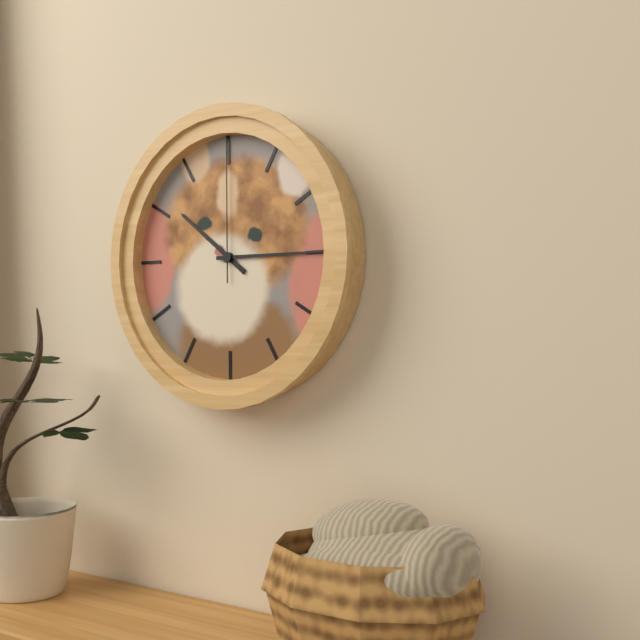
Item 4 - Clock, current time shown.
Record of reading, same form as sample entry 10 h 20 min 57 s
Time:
10 h 15 min 00 s
